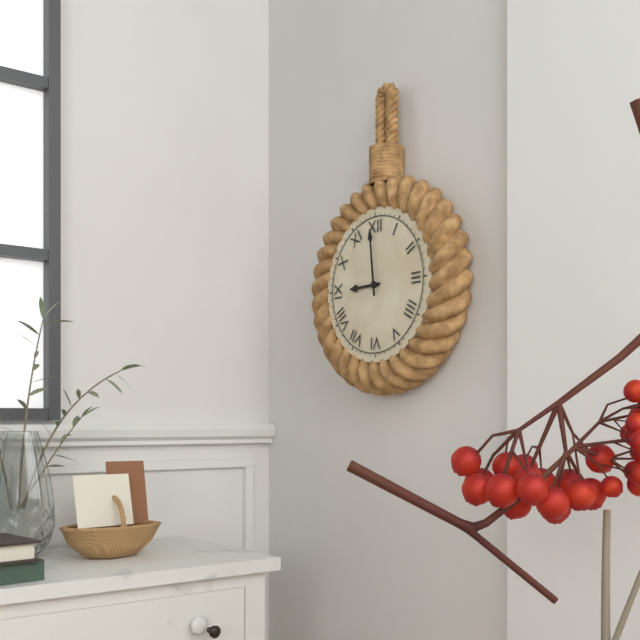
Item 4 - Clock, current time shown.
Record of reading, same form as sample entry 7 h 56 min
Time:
8 h 59 min
